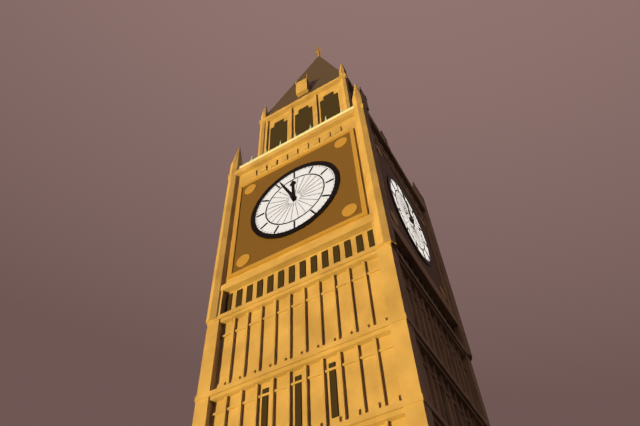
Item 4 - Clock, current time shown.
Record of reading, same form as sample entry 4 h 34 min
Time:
11 h 56 min
